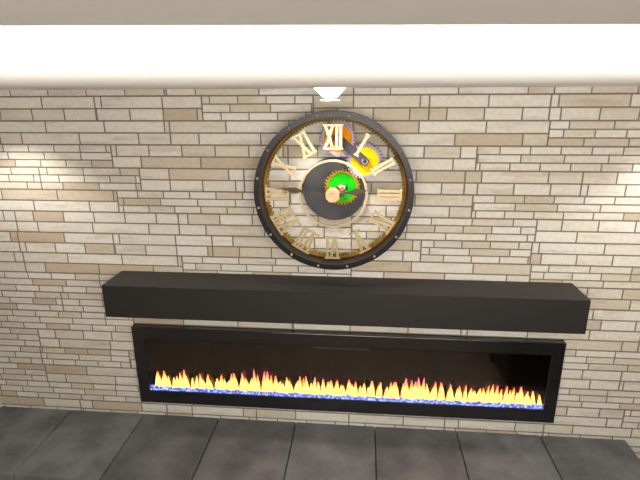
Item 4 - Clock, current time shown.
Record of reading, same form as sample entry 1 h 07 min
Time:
2 h 46 min
